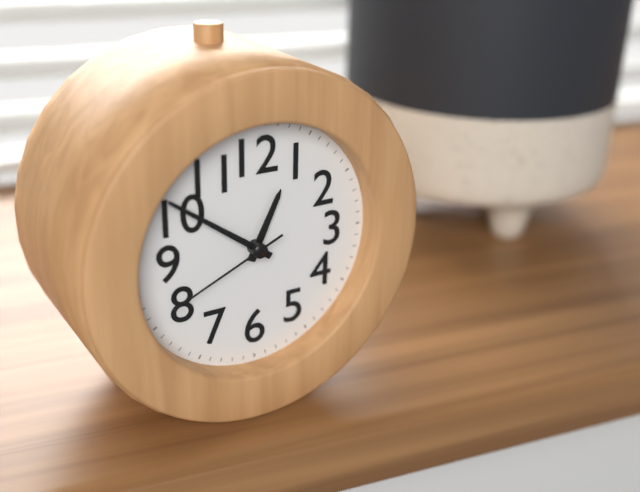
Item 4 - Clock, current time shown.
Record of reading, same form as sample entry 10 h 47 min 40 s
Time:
12 h 51 min 41 s
